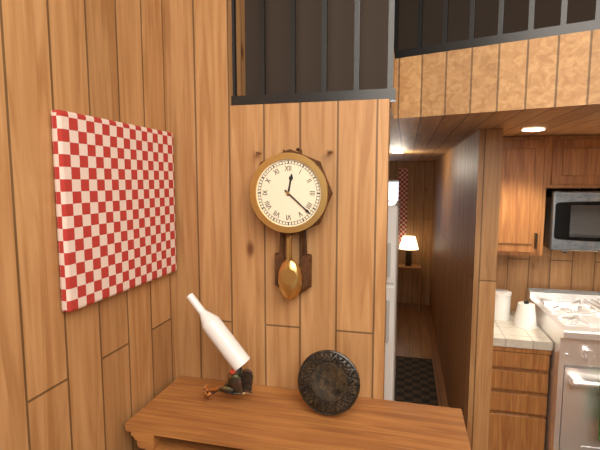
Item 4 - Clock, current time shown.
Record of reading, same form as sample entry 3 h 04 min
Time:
12 h 22 min
